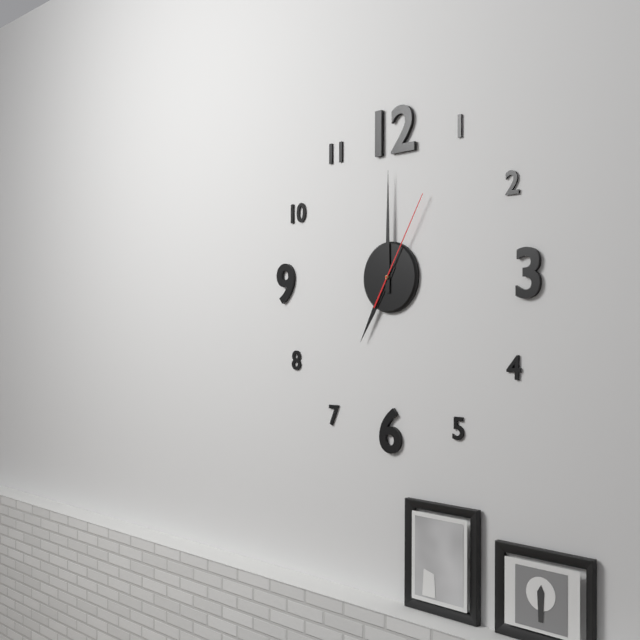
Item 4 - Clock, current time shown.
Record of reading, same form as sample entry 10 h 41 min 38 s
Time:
7 h 00 min 05 s
